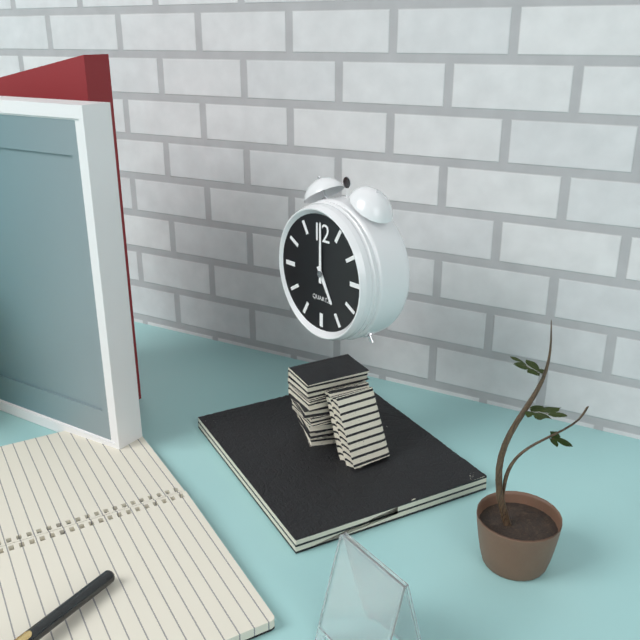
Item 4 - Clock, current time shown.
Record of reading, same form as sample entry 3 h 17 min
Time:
5 h 00 min
